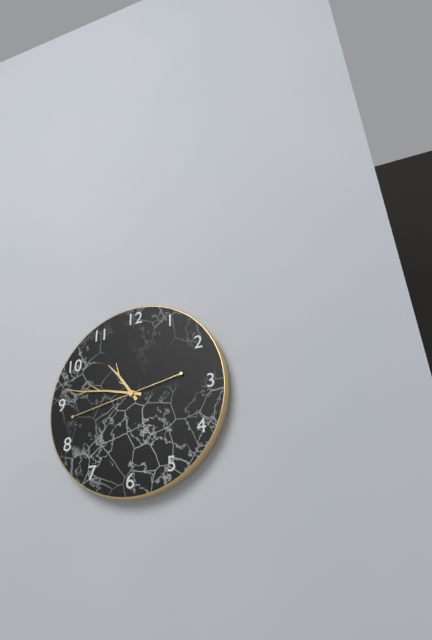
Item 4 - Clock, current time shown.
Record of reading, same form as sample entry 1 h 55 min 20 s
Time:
10 h 47 min 43 s
